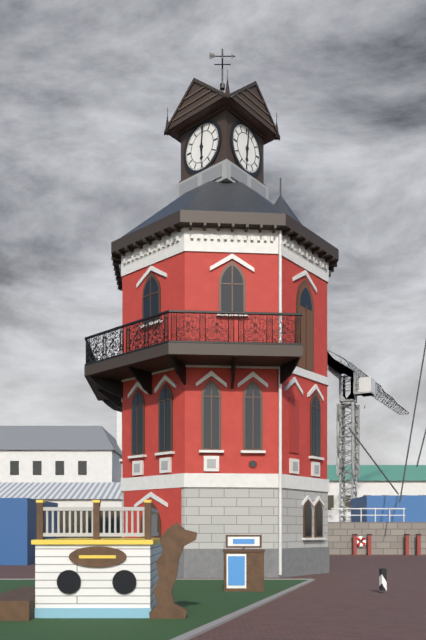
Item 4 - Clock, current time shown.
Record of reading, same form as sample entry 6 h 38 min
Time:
6 h 01 min
